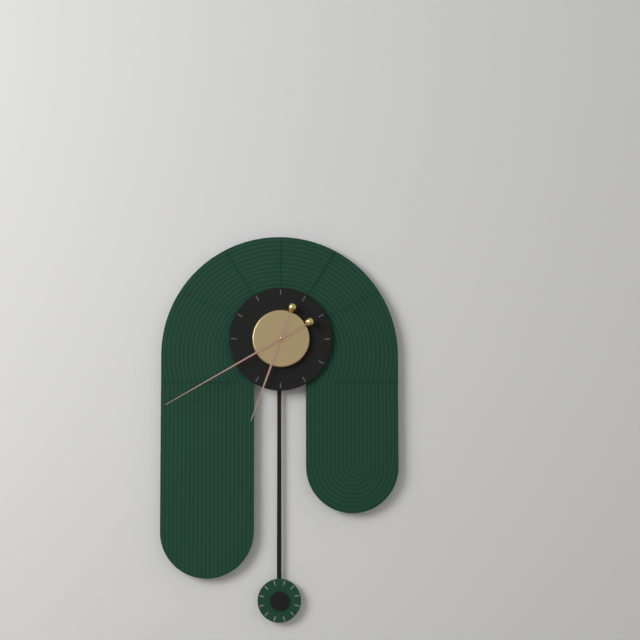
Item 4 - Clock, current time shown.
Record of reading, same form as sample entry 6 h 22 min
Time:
6 h 40 min
